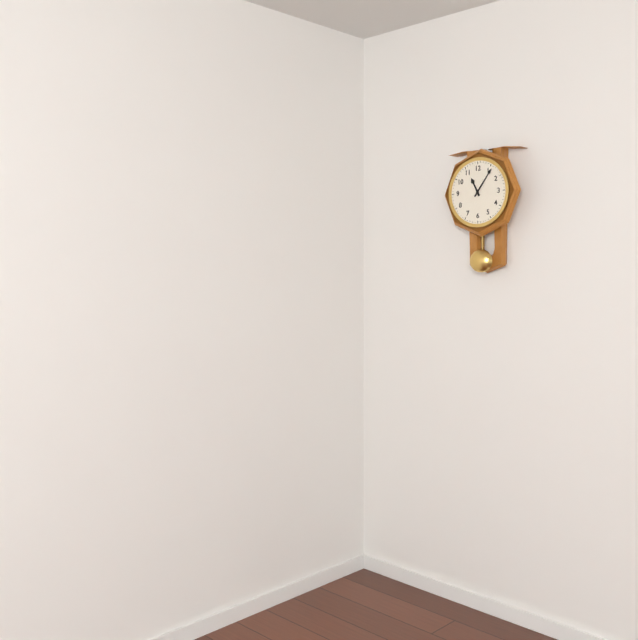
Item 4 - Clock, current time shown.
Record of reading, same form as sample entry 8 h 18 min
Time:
11 h 06 min
